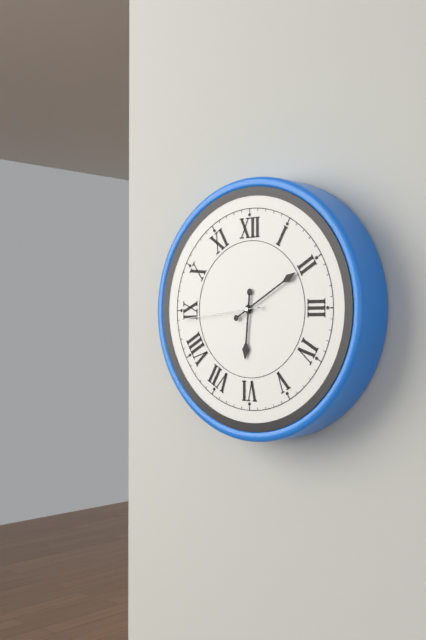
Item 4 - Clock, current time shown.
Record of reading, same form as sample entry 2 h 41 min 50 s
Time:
6 h 10 min 44 s
